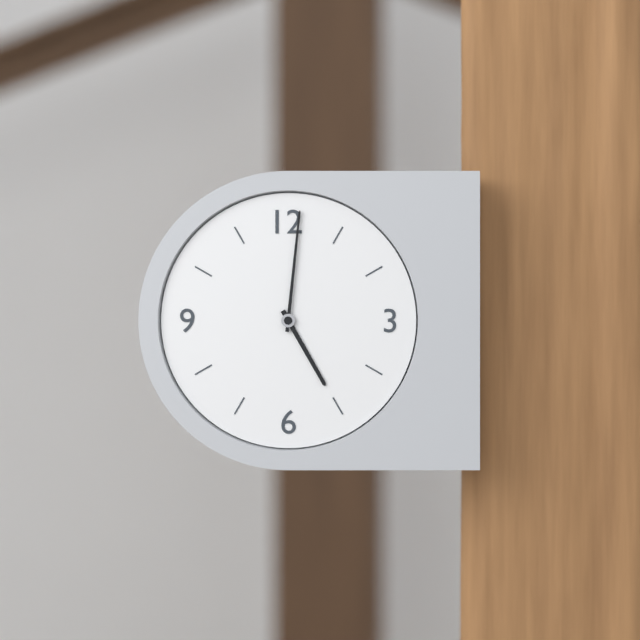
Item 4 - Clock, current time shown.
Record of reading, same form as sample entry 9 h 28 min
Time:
5 h 01 min
